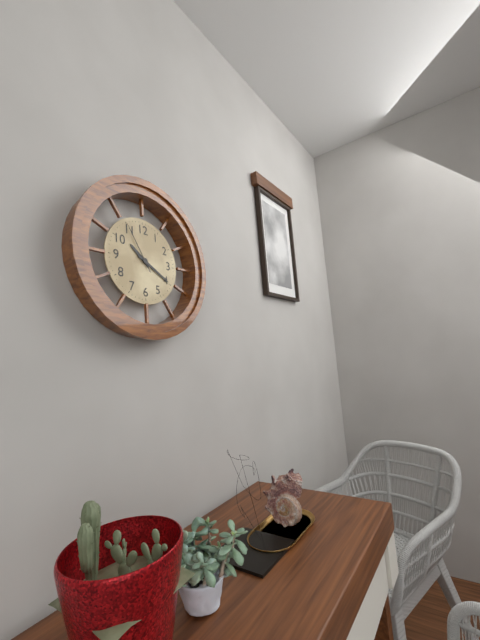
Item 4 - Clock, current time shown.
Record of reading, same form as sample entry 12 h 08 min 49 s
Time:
10 h 20 min 55 s
